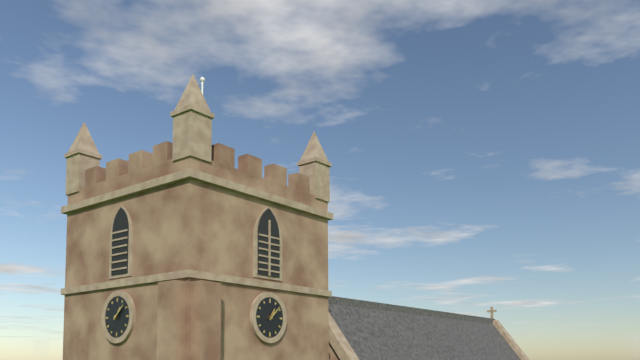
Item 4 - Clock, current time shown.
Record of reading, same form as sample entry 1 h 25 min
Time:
1 h 08 min
